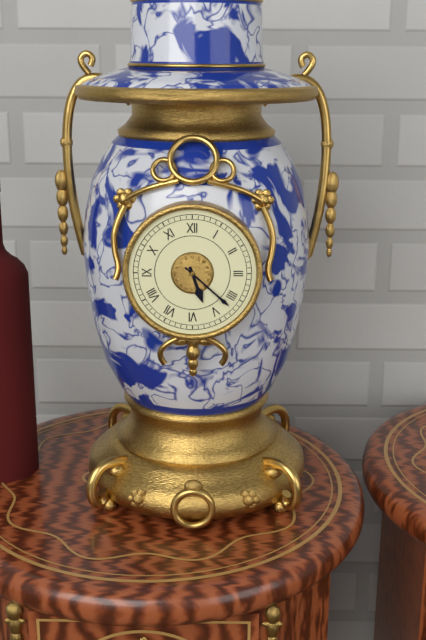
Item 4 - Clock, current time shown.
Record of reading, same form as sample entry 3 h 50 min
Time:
5 h 22 min
